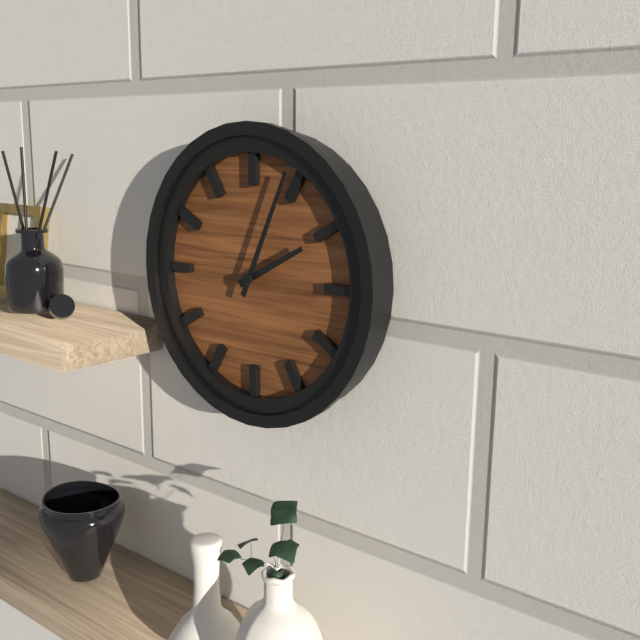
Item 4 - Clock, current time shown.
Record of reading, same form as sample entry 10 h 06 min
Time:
2 h 04 min
